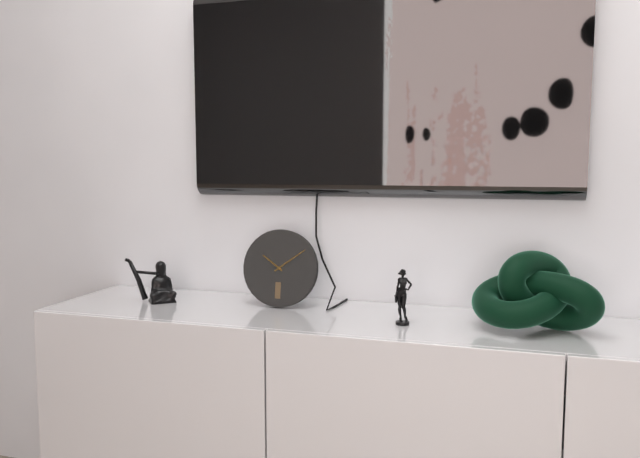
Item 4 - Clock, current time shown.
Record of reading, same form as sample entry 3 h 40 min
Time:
10 h 09 min
